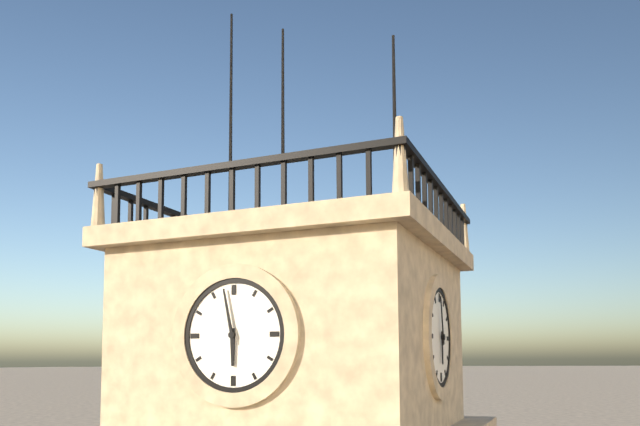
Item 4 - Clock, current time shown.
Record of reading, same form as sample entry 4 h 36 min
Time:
5 h 58 min
